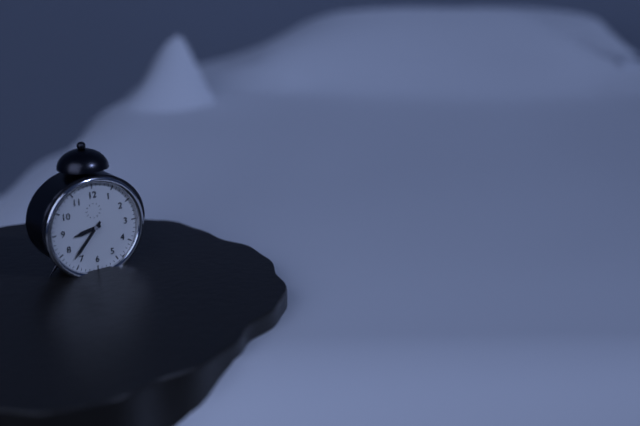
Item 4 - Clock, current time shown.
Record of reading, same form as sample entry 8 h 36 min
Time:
8 h 37 min
